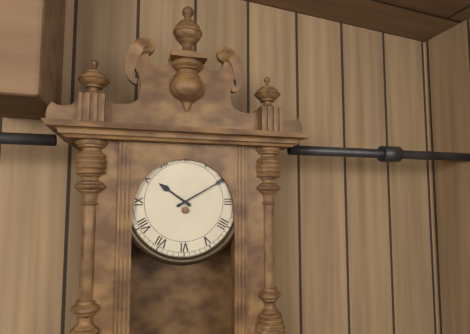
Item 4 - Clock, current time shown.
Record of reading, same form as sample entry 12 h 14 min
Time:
10 h 10 min
